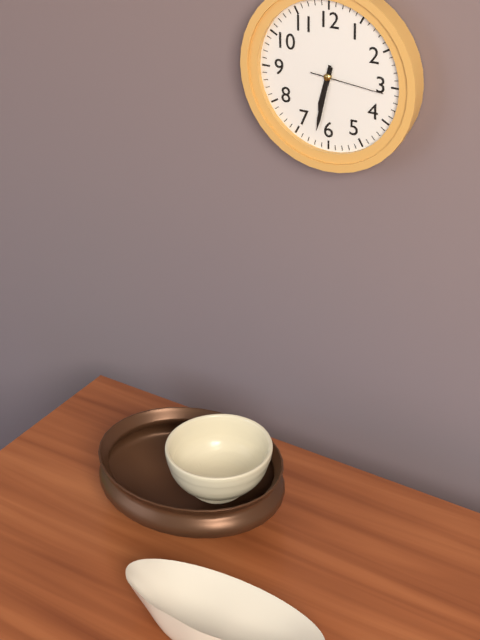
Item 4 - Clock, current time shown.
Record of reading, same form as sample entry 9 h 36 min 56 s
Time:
6 h 32 min 16 s
